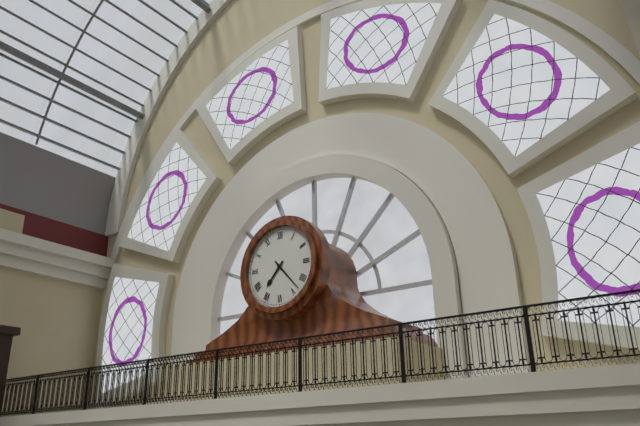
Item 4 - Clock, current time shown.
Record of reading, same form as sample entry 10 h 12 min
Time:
7 h 23 min
